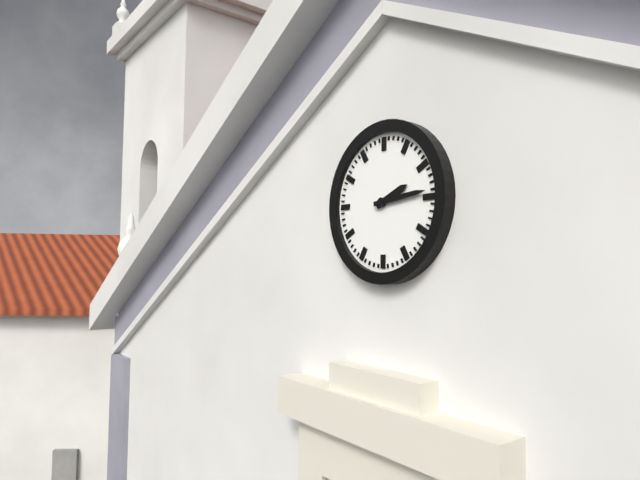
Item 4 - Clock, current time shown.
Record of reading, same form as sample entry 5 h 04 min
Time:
2 h 14 min
